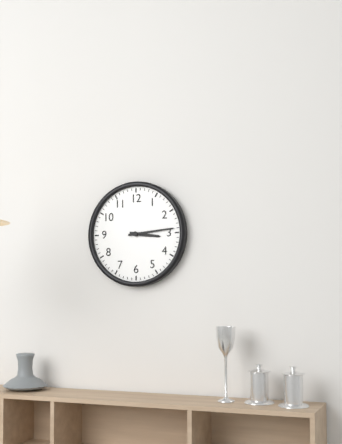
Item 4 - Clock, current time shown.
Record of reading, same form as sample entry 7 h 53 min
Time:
3 h 14 min
